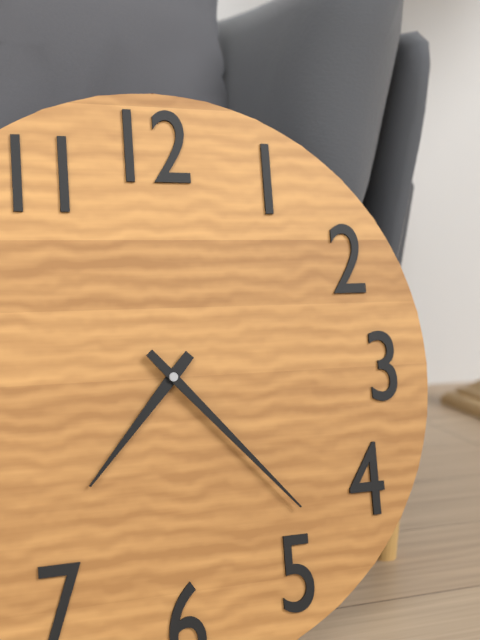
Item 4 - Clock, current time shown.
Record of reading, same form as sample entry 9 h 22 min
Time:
7 h 23 min
